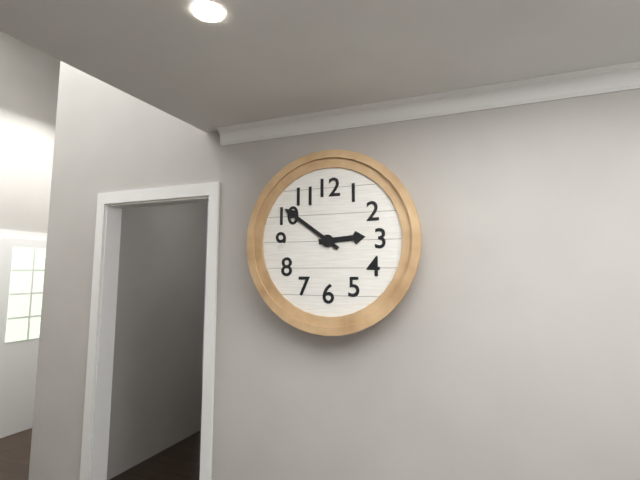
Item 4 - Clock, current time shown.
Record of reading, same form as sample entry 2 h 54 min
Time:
2 h 51 min
